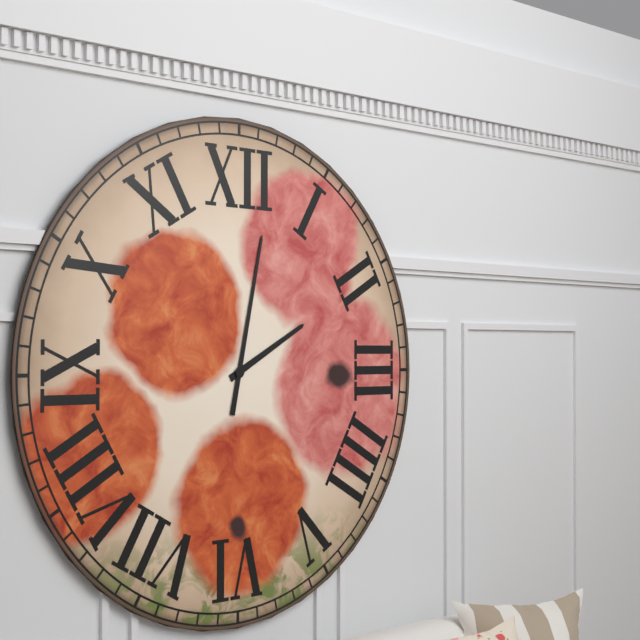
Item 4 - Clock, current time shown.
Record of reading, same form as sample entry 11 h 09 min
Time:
2 h 02 min
